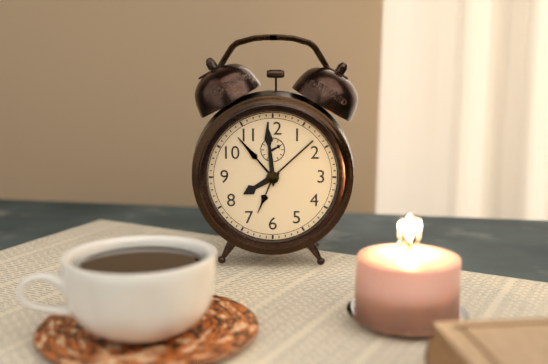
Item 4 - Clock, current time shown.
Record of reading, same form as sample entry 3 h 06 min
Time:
7 h 59 min
